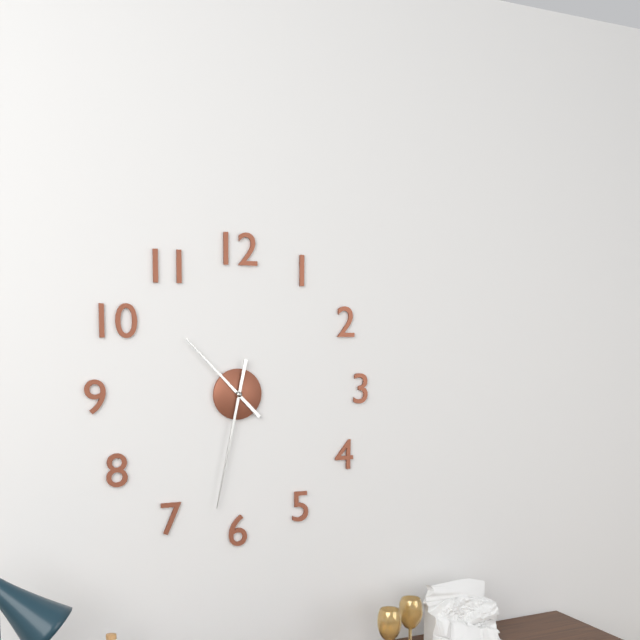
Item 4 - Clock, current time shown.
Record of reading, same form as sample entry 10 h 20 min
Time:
10 h 32 min
